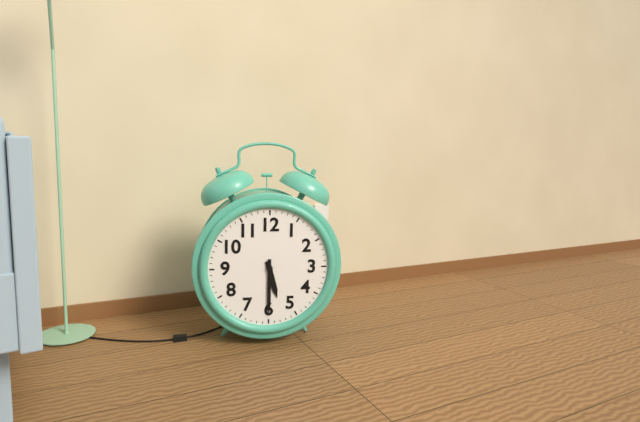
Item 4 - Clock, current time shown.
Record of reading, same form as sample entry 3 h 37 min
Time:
5 h 30 min
